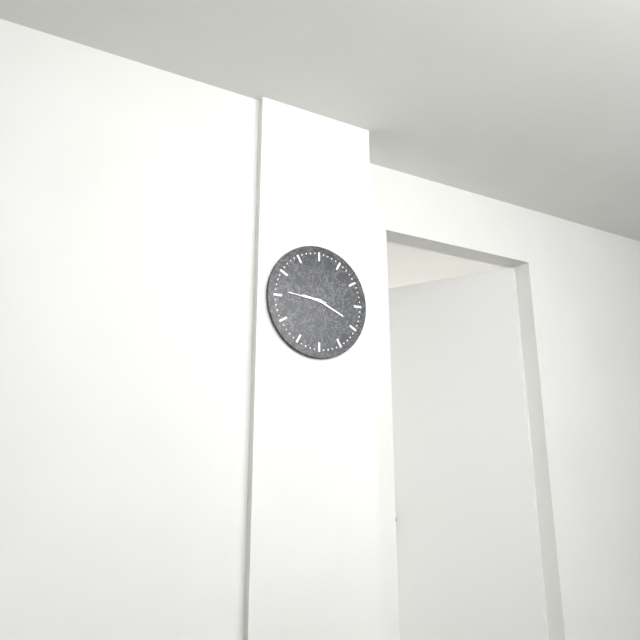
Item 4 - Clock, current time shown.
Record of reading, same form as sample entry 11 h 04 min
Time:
9 h 19 min
